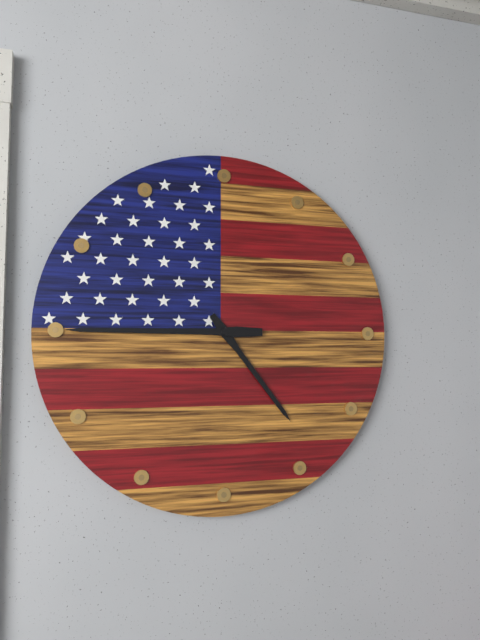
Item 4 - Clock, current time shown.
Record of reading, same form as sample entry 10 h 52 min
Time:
4 h 45 min
